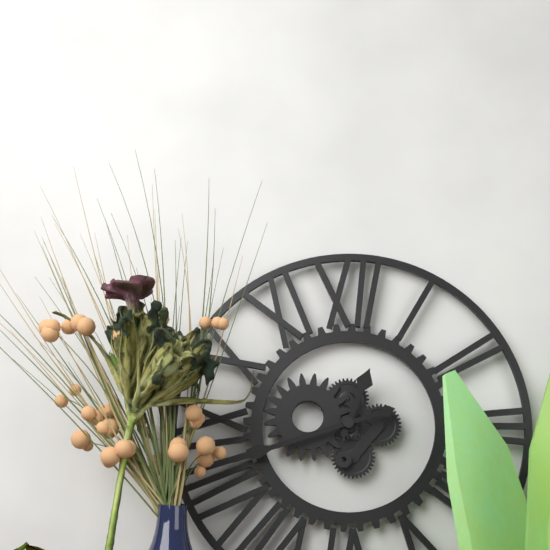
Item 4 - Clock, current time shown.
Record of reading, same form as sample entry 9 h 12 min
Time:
12 h 42 min
